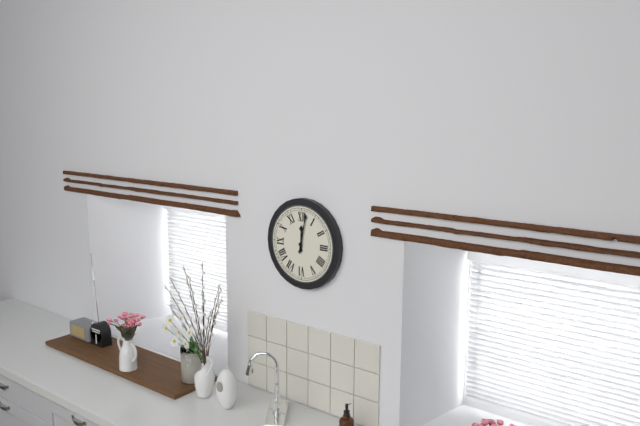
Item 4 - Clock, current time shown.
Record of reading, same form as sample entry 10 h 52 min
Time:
12 h 02 min
